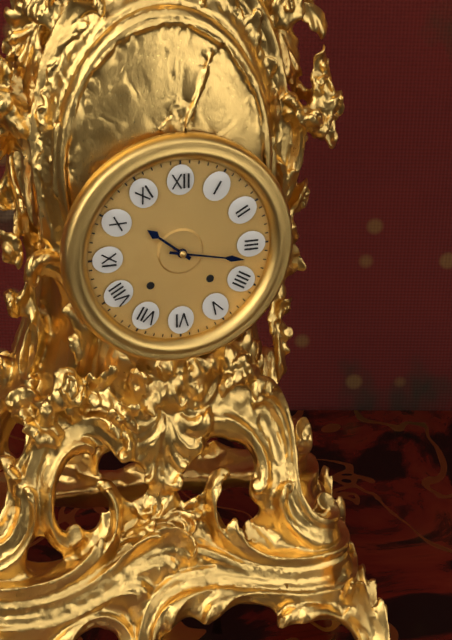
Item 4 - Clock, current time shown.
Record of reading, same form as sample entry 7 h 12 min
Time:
10 h 17 min
